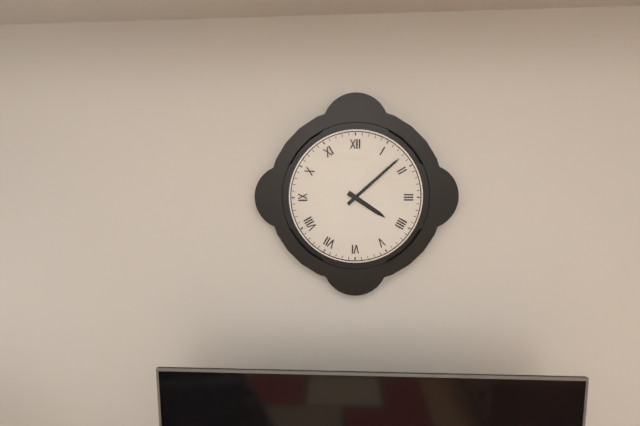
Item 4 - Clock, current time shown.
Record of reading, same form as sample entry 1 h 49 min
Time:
4 h 08 min
